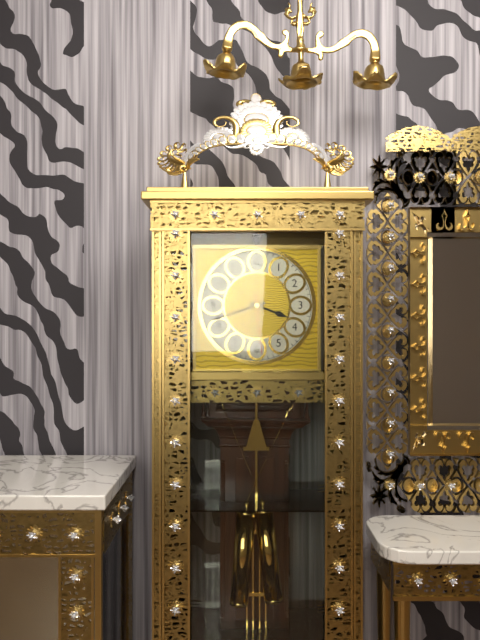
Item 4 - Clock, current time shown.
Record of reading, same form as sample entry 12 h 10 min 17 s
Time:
3 h 42 min 29 s
